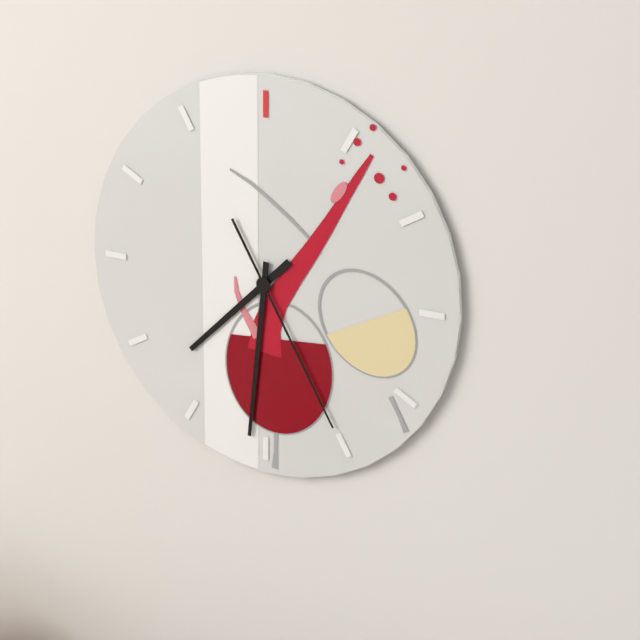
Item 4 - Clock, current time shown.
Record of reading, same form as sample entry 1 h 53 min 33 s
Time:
7 h 31 min 25 s
